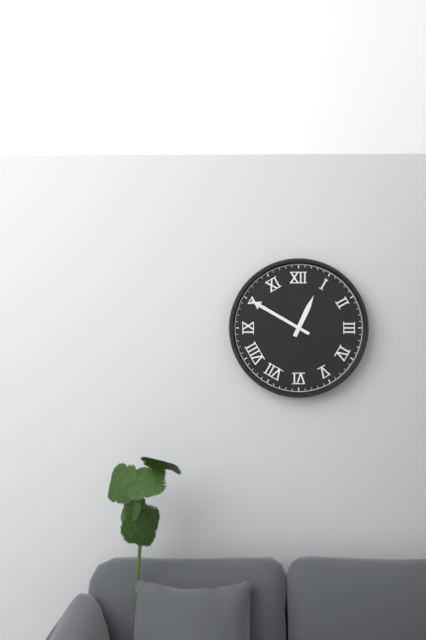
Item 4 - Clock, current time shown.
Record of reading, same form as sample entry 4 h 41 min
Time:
12 h 50 min
